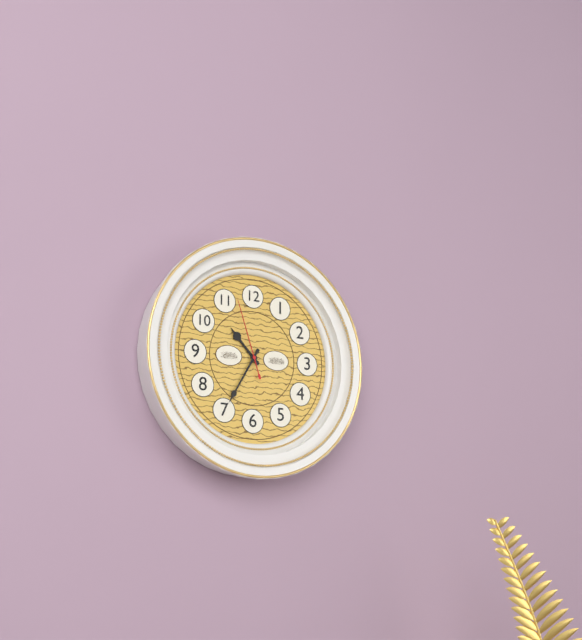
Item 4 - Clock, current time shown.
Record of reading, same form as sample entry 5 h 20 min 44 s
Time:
10 h 35 min 57 s
